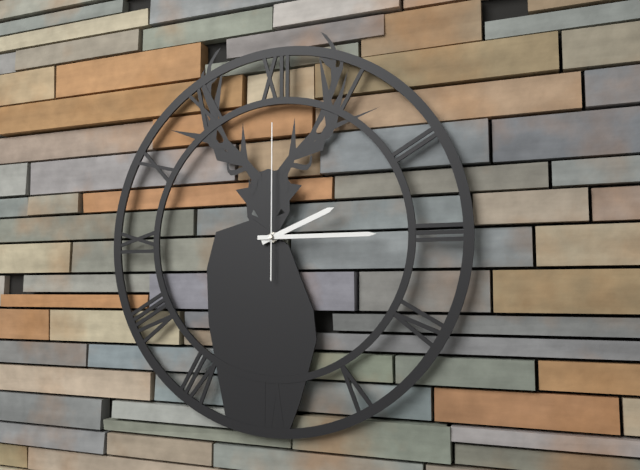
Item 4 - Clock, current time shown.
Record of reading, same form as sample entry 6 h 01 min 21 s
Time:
2 h 15 min 00 s
